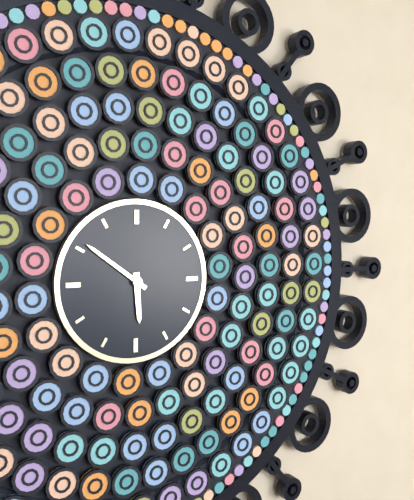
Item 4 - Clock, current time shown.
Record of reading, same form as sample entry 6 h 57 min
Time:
5 h 51 min
